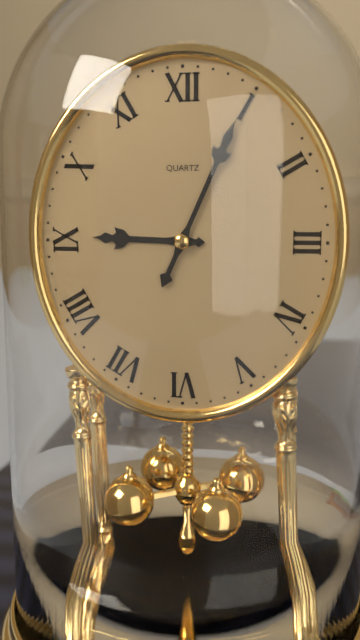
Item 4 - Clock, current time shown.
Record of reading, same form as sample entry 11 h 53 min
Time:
9 h 04 min
